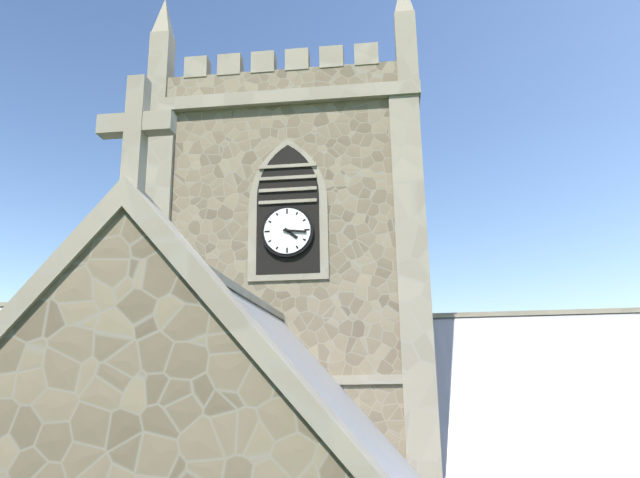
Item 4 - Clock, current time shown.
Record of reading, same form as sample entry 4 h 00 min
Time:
4 h 16 min
